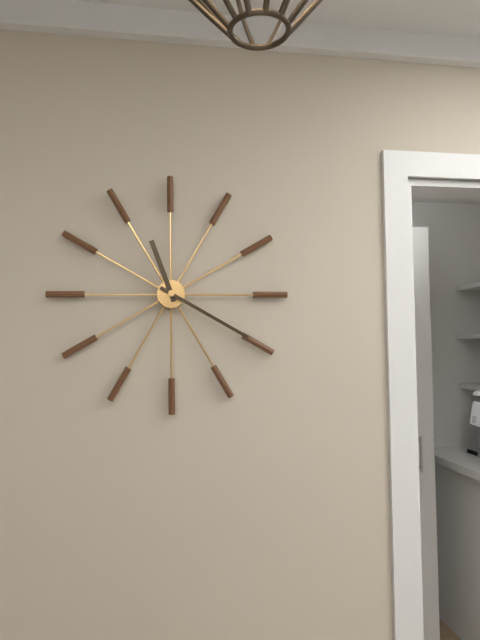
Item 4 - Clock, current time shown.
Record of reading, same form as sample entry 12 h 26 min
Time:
11 h 20 min
